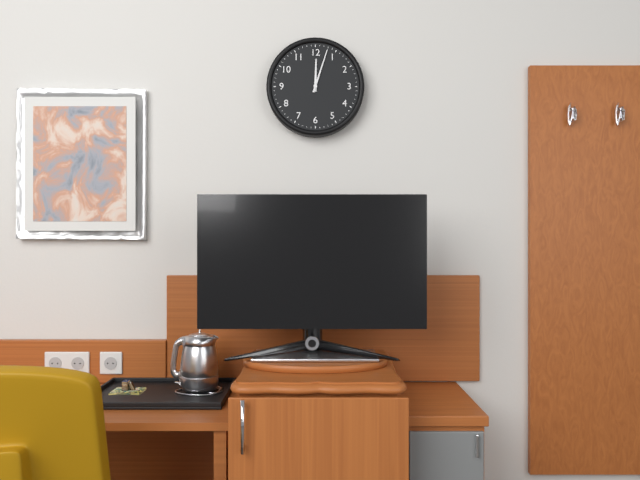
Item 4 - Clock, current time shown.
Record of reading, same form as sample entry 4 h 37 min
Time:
12 h 03 min
